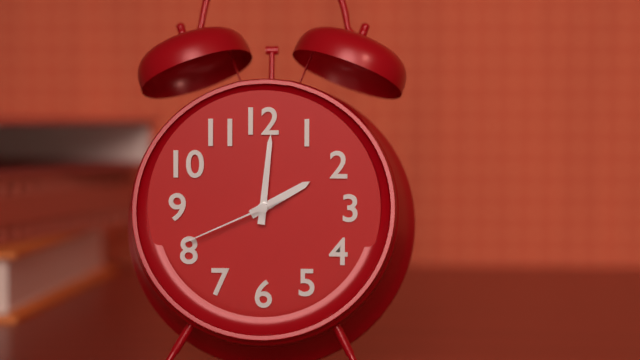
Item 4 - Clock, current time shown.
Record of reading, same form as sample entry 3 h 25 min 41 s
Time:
2 h 01 min 41 s
